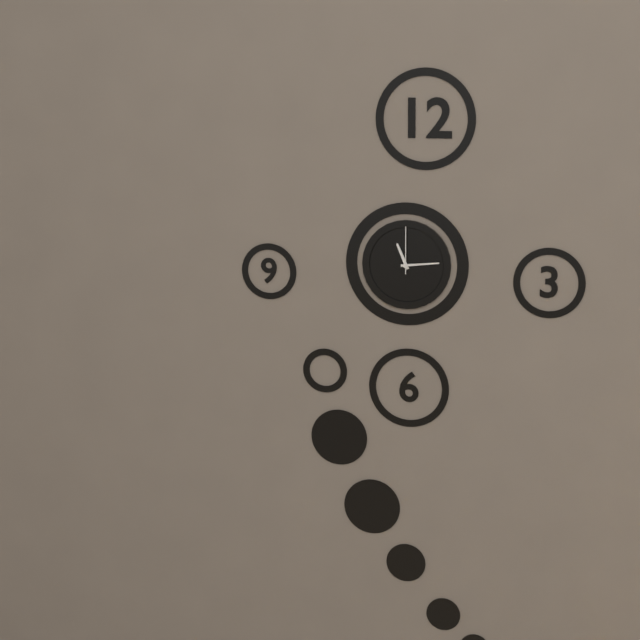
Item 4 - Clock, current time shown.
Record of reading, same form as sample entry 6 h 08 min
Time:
11 h 14 min
